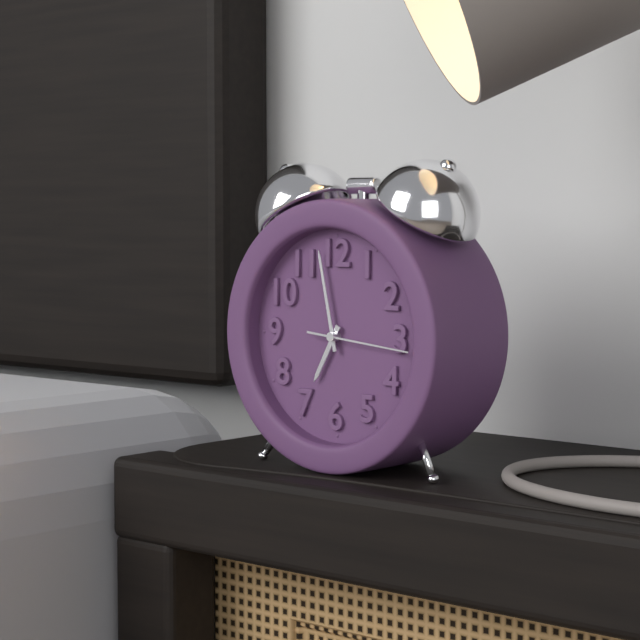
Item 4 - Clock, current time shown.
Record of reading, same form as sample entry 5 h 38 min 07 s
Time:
6 h 58 min 16 s
